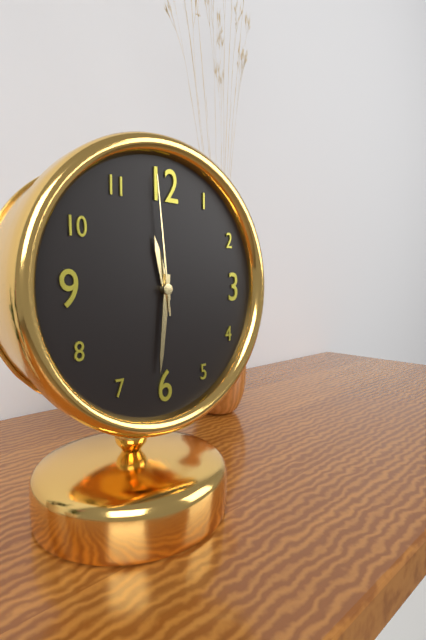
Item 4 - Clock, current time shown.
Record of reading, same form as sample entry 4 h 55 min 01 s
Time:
11 h 31 min 59 s
